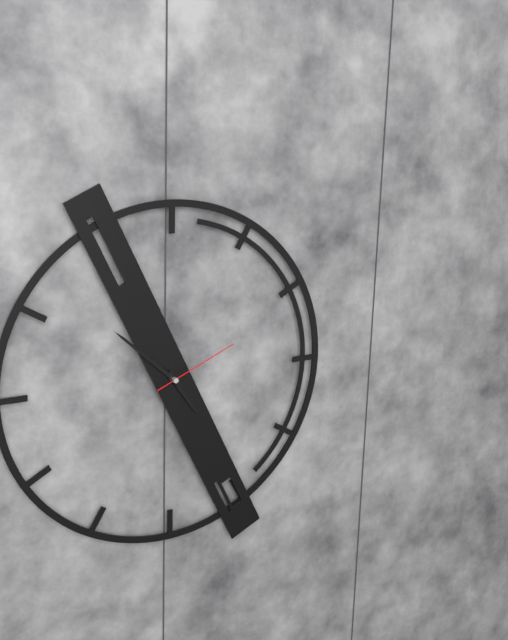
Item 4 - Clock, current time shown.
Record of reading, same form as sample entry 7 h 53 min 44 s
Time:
4 h 52 min 11 s
